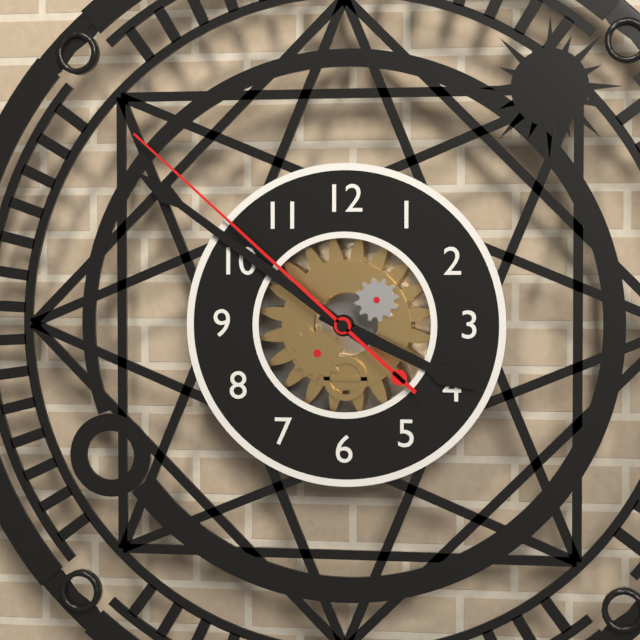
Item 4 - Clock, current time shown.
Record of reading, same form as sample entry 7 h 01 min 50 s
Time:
3 h 51 min 52 s
